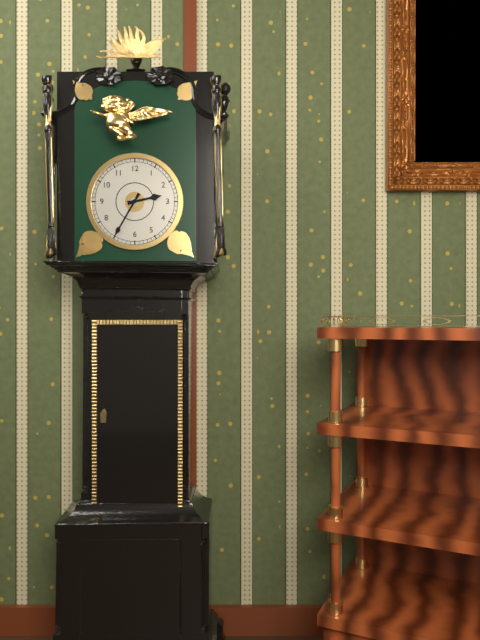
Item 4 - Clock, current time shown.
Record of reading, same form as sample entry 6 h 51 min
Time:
2 h 35 min
